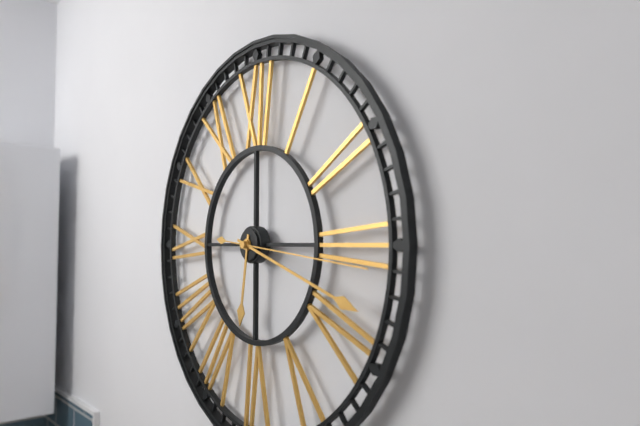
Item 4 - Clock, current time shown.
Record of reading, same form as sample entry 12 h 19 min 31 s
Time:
6 h 18 min 16 s
